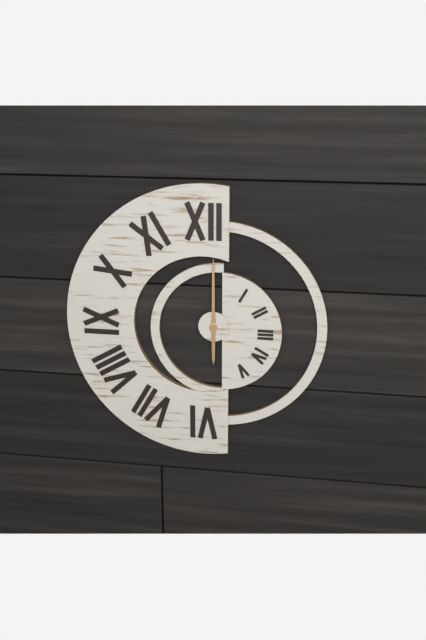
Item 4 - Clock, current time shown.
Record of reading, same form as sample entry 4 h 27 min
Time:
6 h 00 min
